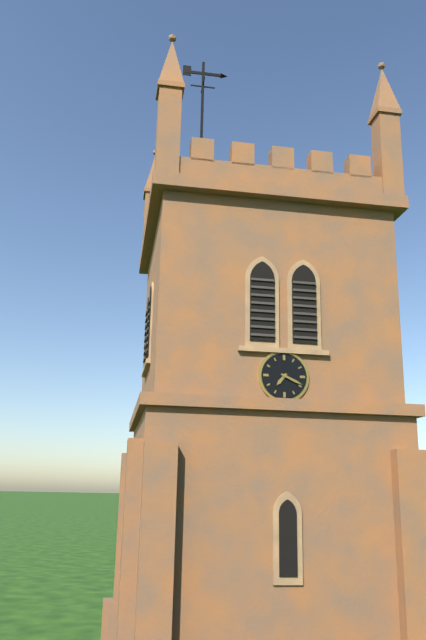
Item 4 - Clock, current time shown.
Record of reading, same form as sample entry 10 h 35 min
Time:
7 h 19 min
